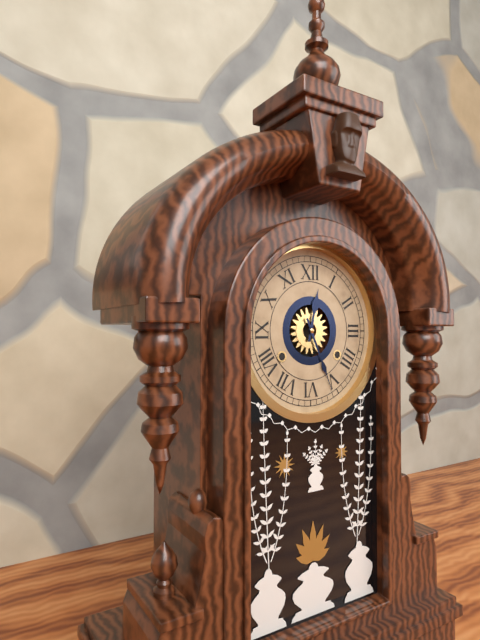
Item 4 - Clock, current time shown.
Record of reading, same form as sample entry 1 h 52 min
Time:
12 h 26 min
